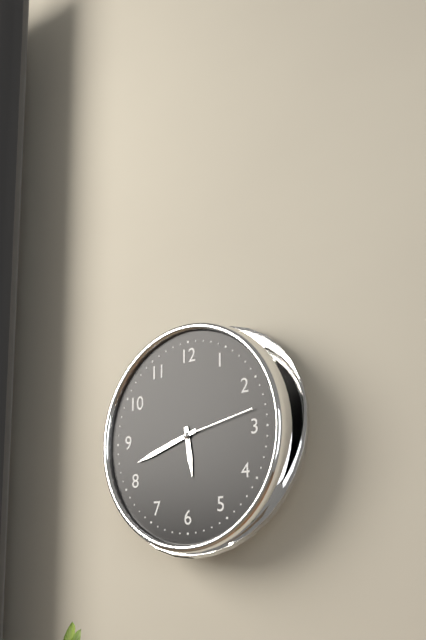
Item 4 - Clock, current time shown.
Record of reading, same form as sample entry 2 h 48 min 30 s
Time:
5 h 42 min 13 s
